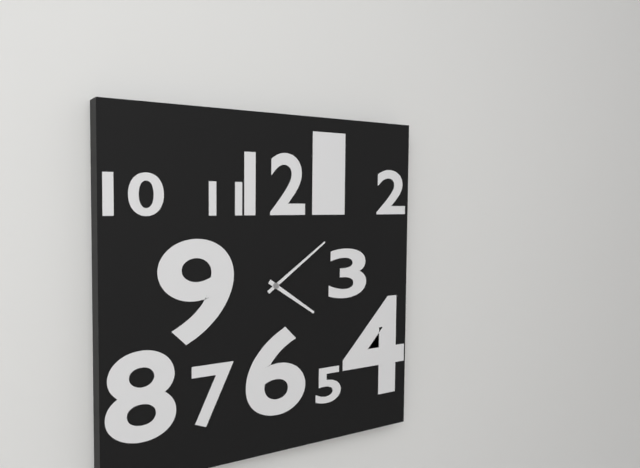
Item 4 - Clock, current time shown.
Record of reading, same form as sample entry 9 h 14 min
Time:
4 h 09 min
